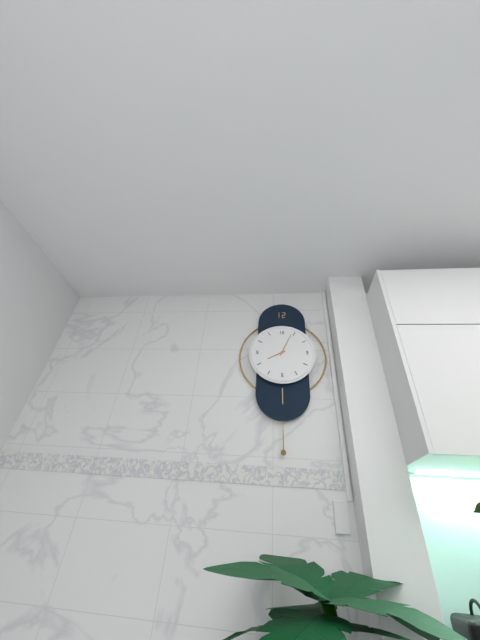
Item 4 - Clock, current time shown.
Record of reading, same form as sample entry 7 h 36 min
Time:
8 h 04 min
